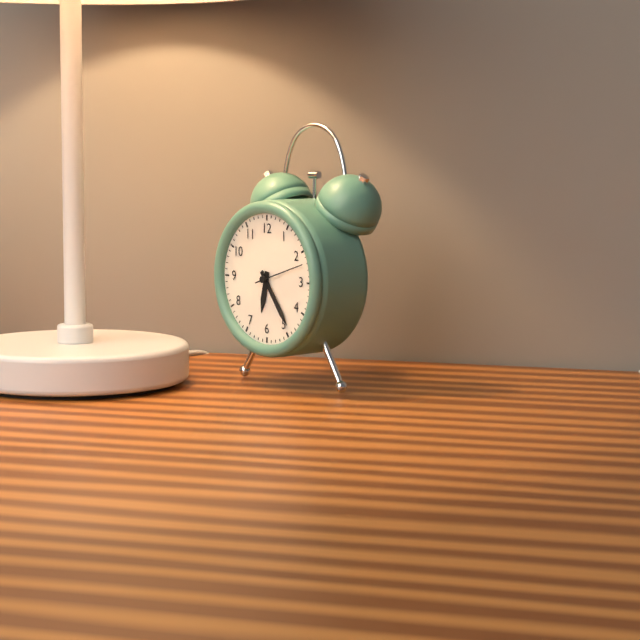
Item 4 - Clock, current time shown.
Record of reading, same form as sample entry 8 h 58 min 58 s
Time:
6 h 24 min 12 s
